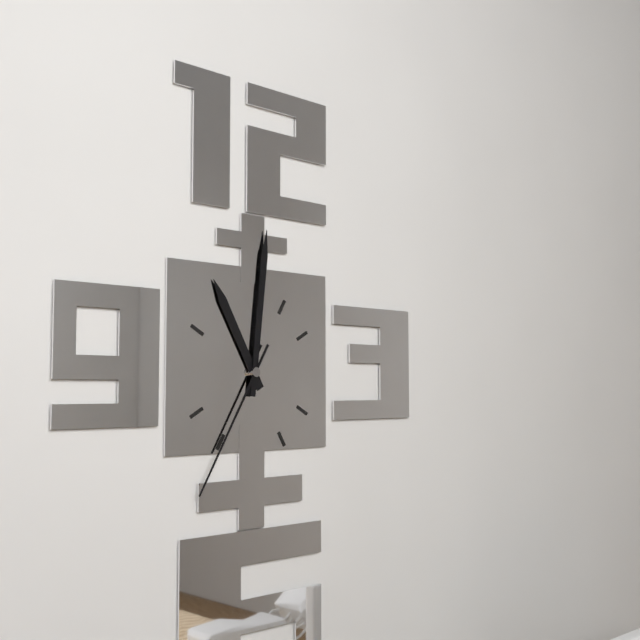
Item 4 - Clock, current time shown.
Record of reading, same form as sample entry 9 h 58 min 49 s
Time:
11 h 01 min 35 s
